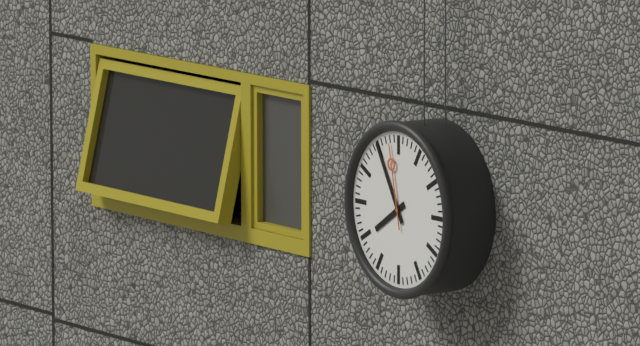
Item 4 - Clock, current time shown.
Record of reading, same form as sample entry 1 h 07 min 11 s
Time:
7 h 55 min 58 s
